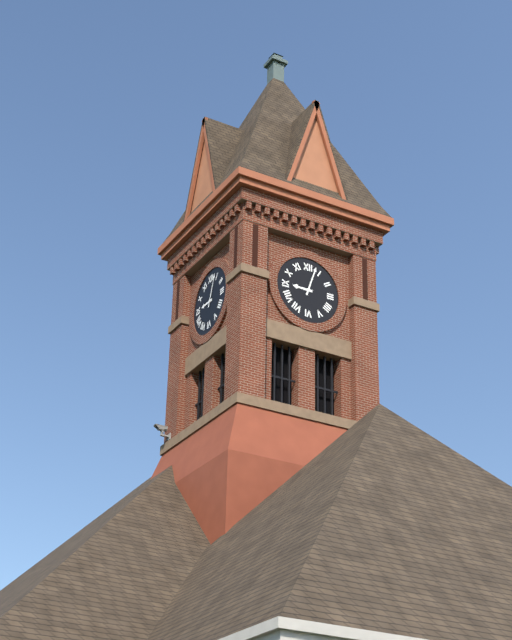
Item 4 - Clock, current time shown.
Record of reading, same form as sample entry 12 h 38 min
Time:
9 h 03 min
